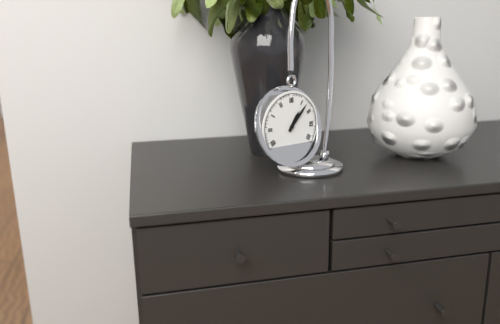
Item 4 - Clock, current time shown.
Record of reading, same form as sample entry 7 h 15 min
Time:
1 h 07 min
